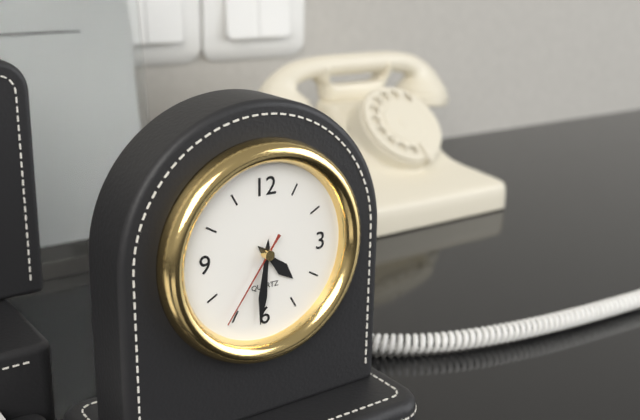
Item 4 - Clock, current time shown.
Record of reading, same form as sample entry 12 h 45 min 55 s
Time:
4 h 31 min 36 s
